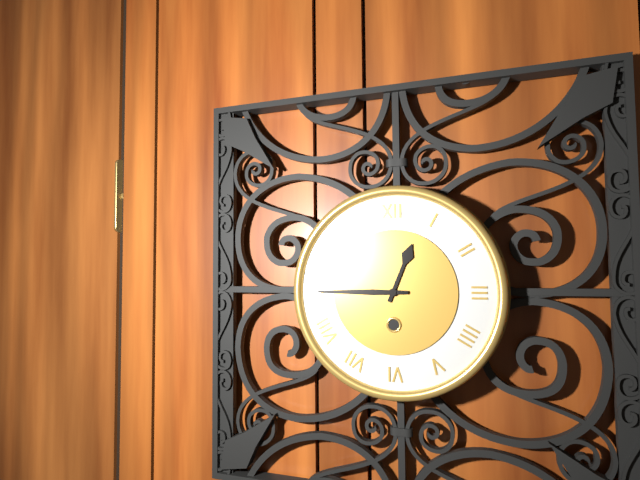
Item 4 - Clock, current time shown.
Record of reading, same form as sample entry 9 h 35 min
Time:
12 h 45 min
